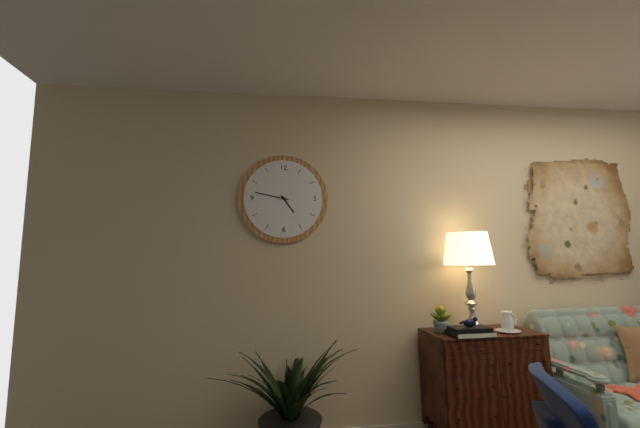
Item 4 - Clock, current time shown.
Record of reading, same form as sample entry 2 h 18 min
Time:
4 h 47 min
